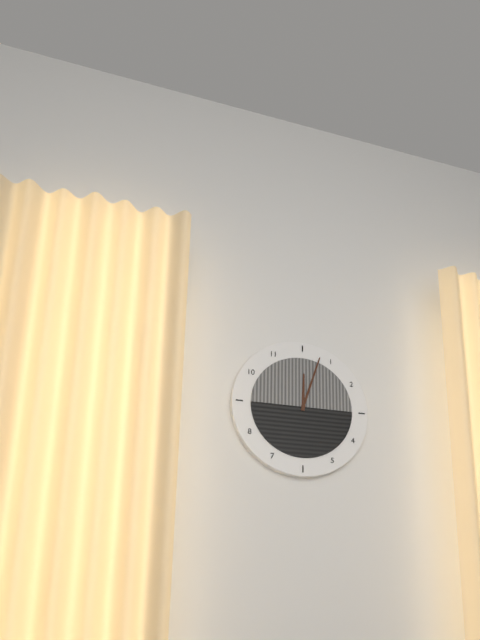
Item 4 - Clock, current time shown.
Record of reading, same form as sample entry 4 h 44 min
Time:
12 h 03 min
